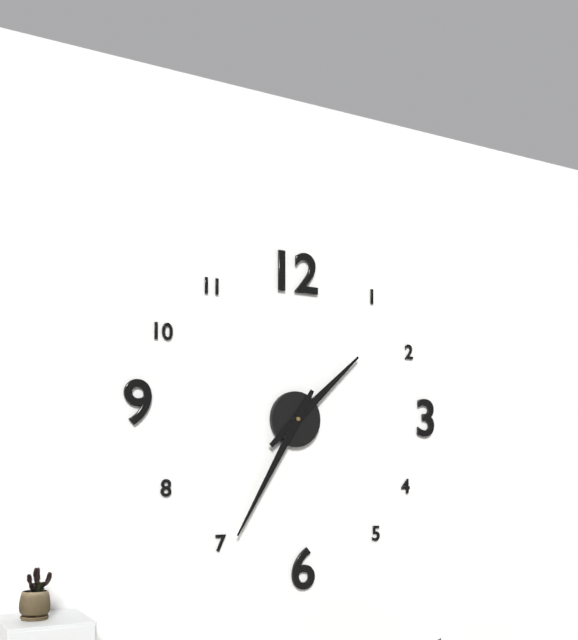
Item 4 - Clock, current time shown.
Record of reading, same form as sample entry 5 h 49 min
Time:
1 h 35 min
